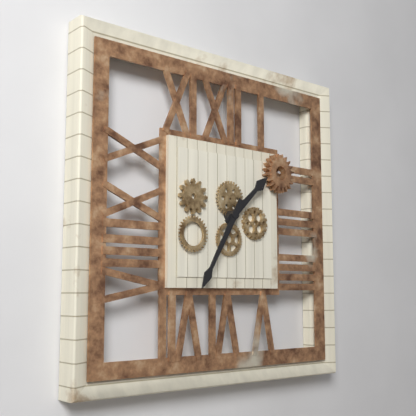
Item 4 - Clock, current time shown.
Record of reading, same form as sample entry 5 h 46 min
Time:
1 h 35 min
